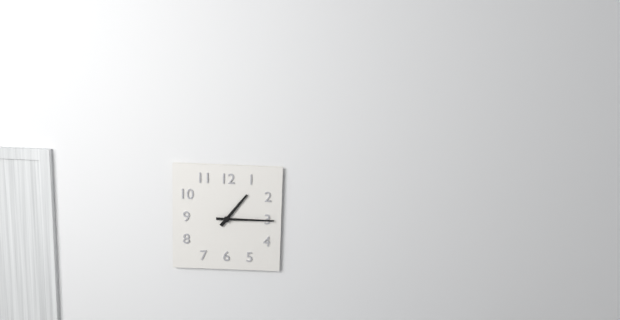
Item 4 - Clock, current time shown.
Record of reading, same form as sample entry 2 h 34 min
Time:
1 h 15 min
